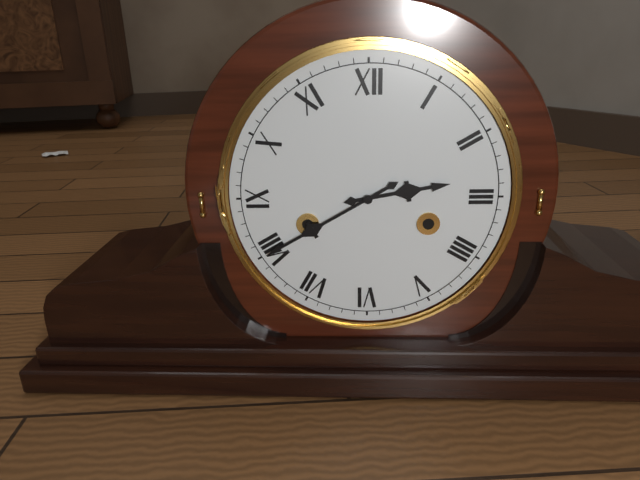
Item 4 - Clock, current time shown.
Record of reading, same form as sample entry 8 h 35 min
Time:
2 h 40 min
